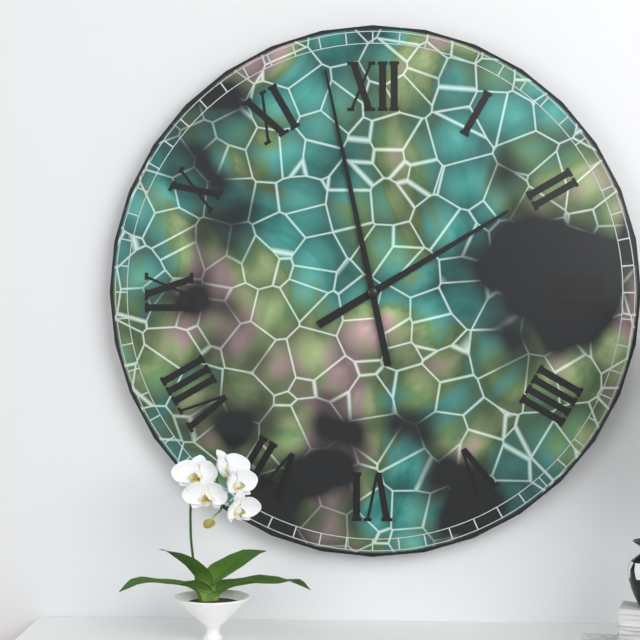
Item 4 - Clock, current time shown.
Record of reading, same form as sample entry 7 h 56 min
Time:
1 h 58 min
